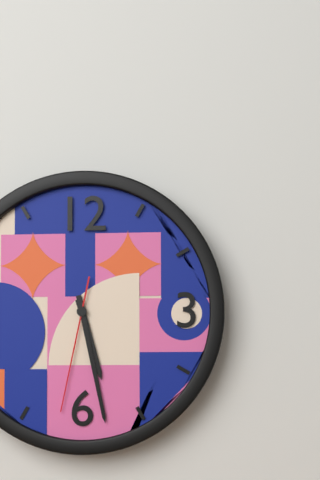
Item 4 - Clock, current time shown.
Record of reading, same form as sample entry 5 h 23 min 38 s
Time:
5 h 28 min 32 s
